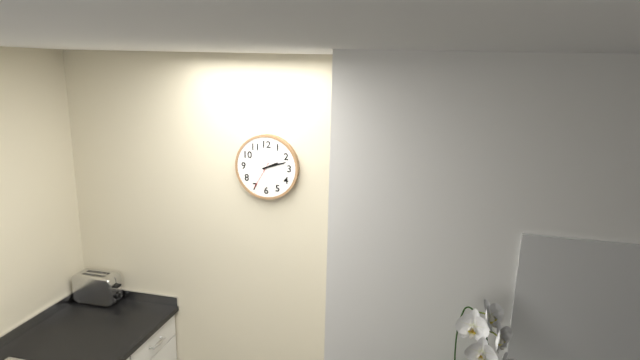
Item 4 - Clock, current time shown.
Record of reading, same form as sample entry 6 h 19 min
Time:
2 h 12 min
